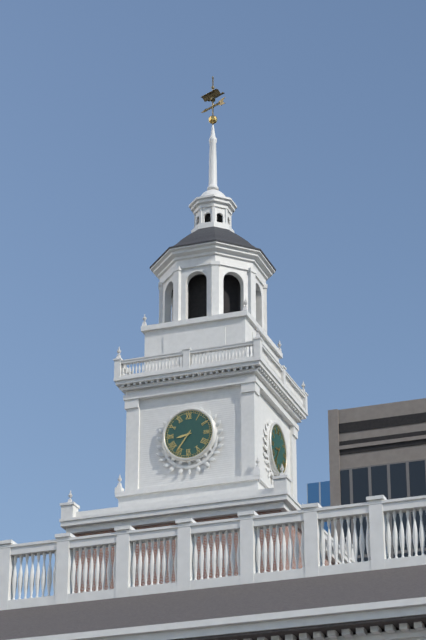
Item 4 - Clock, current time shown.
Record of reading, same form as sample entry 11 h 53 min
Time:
8 h 36 min
